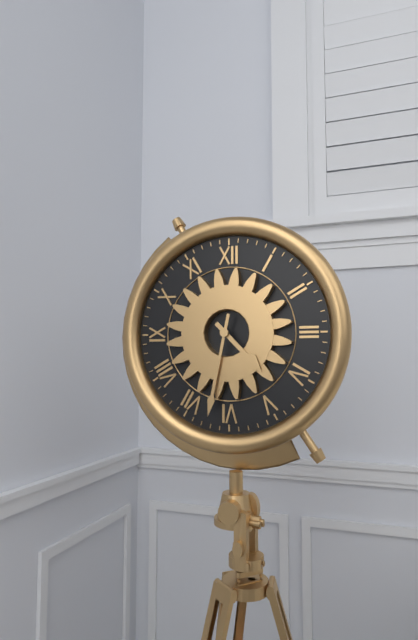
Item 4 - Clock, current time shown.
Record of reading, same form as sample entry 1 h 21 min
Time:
4 h 32 min
